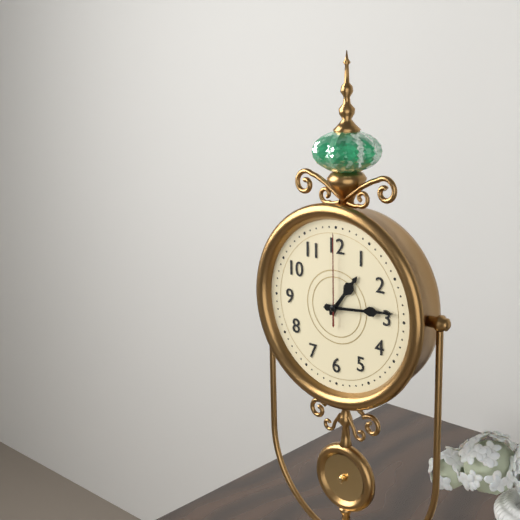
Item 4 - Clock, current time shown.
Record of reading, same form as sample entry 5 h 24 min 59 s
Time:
1 h 14 min 00 s
